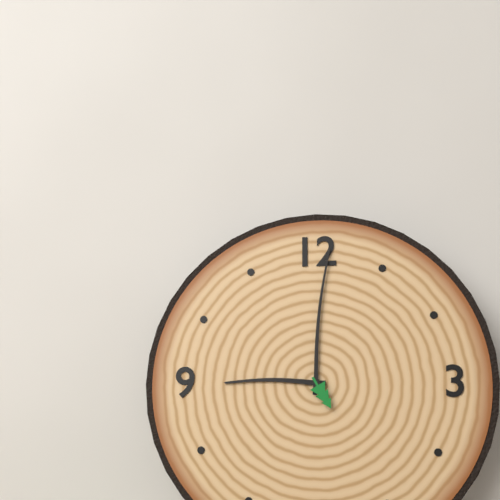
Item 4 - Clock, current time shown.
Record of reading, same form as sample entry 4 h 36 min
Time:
9 h 01 min
